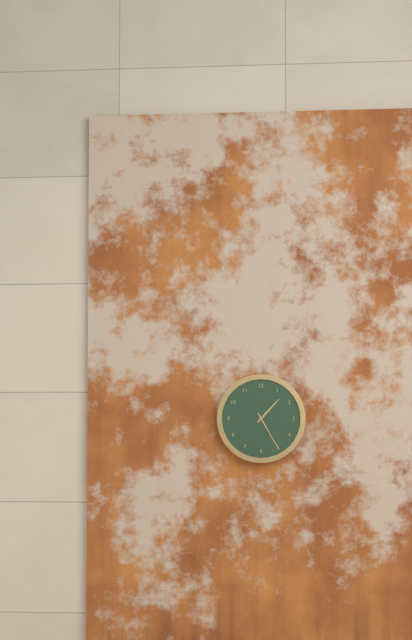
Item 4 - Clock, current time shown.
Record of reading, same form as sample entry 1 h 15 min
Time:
1 h 25 min
